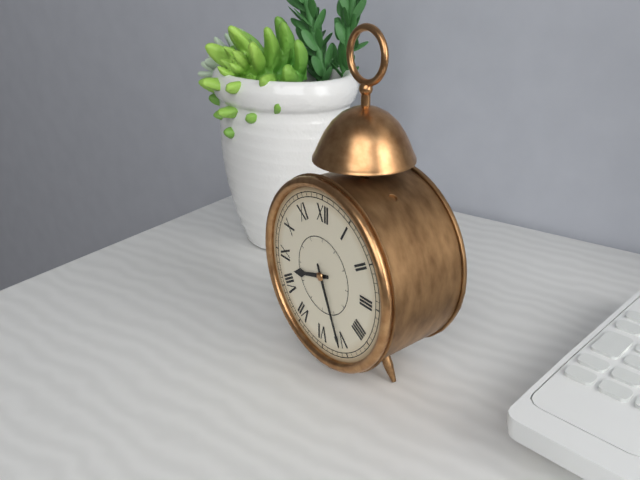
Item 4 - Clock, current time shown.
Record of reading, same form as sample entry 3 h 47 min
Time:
8 h 26 min
